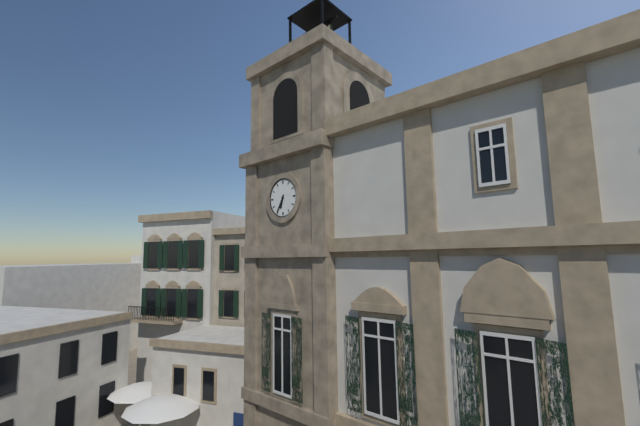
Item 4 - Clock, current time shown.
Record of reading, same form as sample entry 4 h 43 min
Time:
6 h 35 min
